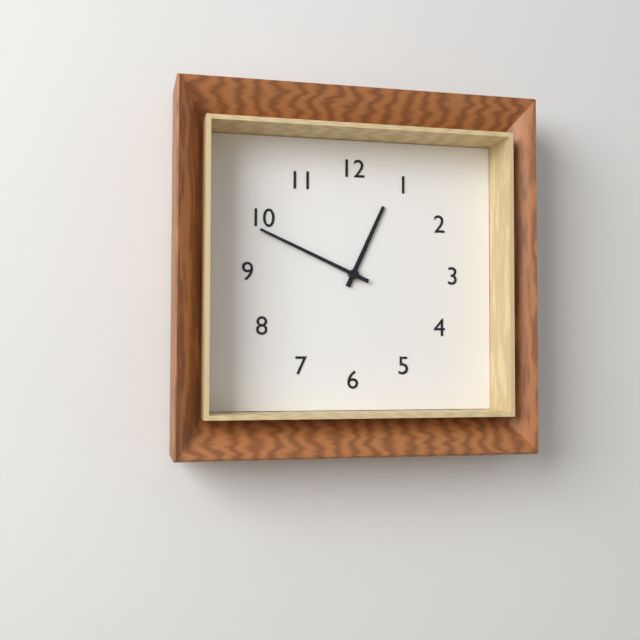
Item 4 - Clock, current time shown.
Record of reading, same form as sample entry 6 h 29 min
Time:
12 h 49 min
